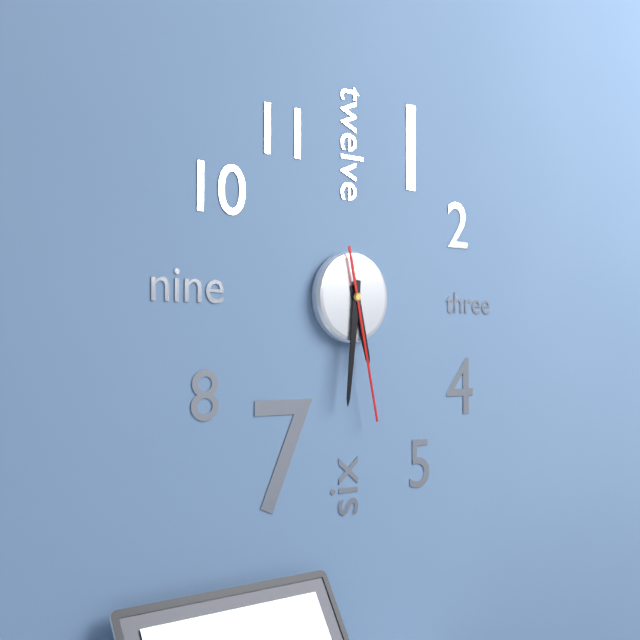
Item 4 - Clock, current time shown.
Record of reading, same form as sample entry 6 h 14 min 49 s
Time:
5 h 31 min 28 s
